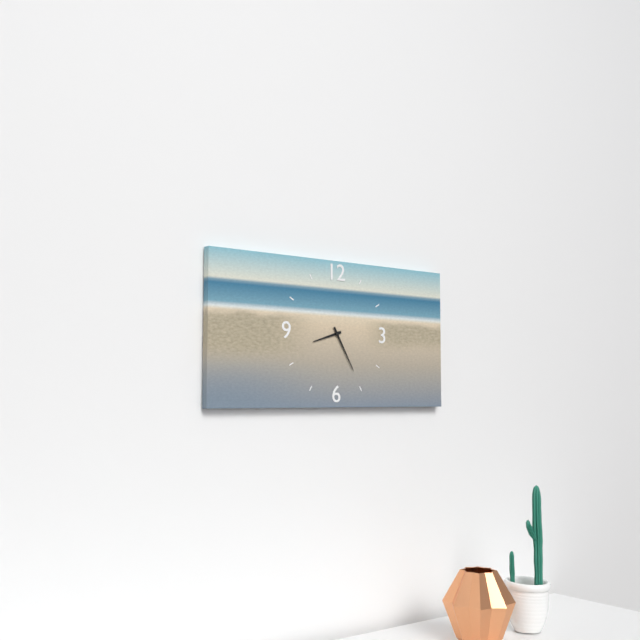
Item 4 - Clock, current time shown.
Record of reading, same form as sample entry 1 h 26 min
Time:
8 h 25 min
